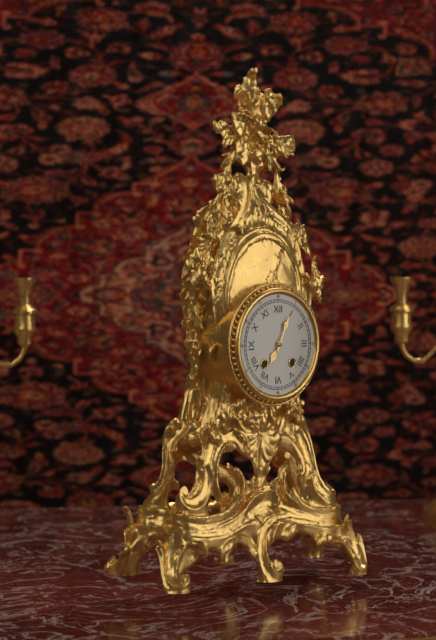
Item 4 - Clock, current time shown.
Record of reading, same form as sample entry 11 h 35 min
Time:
7 h 04 min
